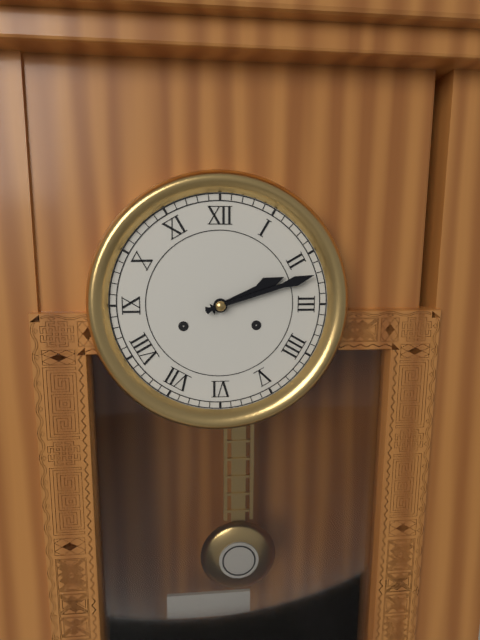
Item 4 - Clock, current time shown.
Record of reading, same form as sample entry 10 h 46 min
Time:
2 h 12 min
